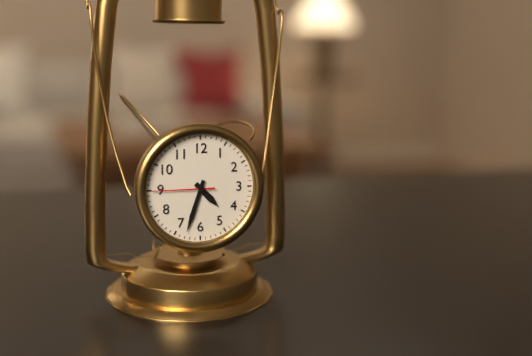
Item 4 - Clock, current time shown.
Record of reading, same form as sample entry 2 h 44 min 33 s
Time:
4 h 33 min 45 s
